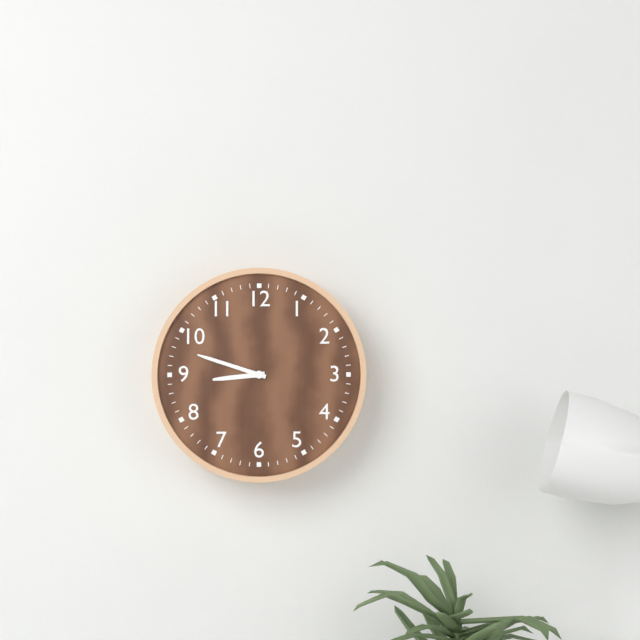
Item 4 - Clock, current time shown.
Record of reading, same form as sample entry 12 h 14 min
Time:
8 h 48 min
